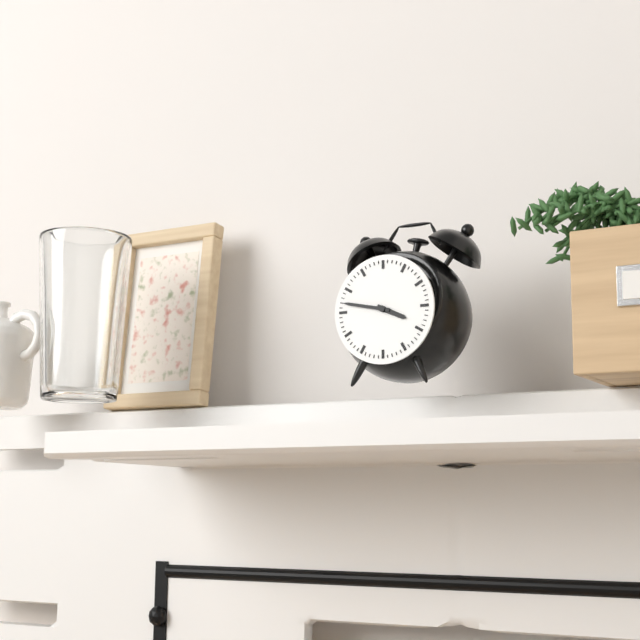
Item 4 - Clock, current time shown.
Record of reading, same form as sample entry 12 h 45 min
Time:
3 h 47 min
